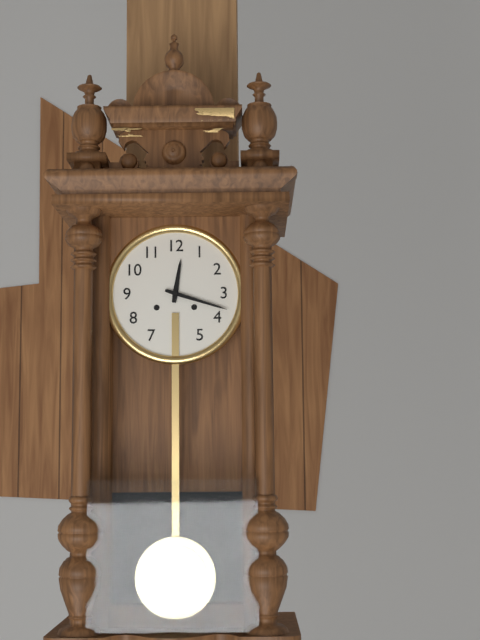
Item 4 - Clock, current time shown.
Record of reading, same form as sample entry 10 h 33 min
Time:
12 h 18 min
